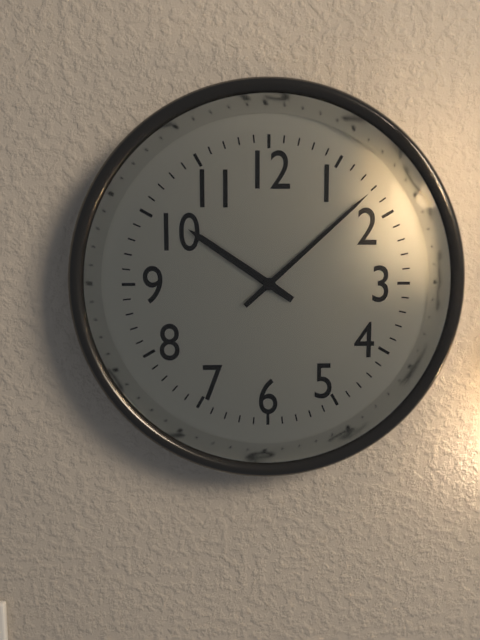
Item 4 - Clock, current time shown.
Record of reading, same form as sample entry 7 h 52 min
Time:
10 h 08 min
